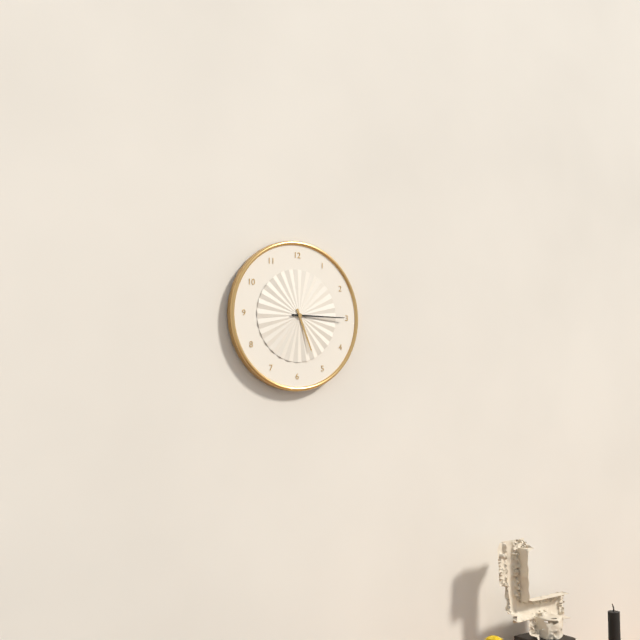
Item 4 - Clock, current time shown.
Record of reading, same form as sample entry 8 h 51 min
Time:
5 h 15 min
